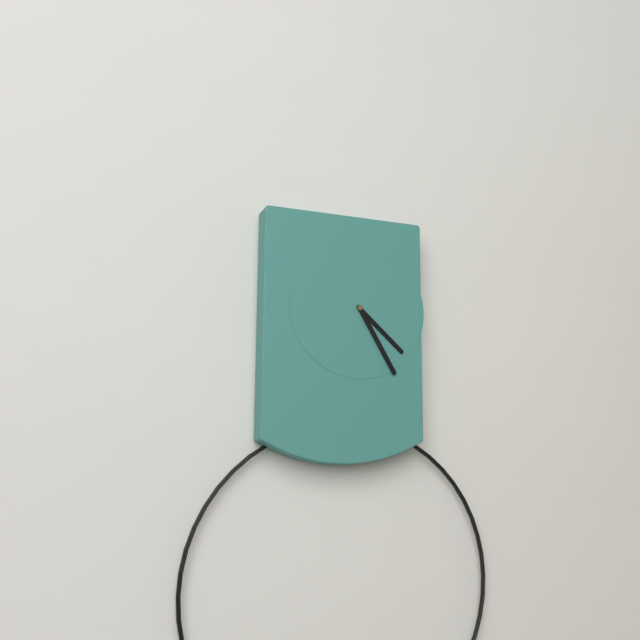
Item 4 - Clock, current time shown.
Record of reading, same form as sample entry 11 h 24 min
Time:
4 h 25 min
